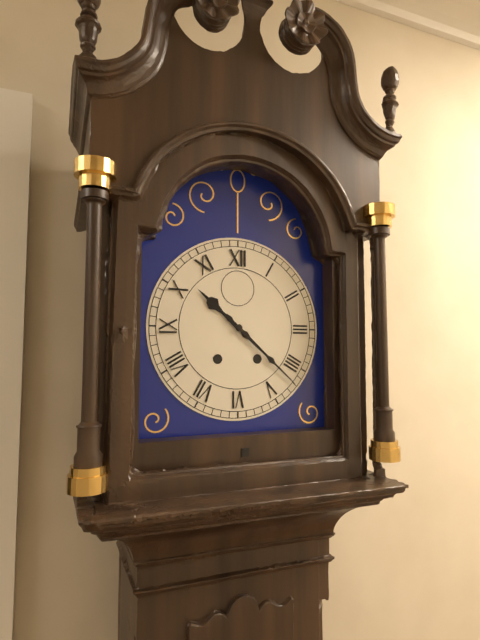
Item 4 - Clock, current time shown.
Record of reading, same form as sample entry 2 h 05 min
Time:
10 h 22 min
